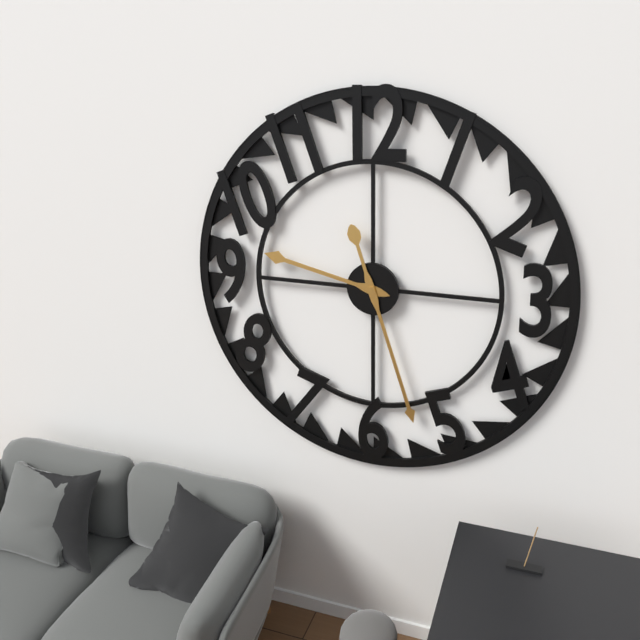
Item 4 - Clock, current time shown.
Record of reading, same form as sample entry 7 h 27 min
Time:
9 h 27 min
